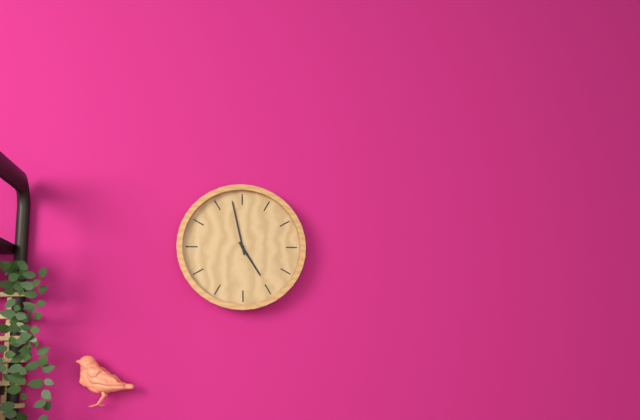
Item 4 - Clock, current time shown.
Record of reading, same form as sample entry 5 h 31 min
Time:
4 h 58 min
